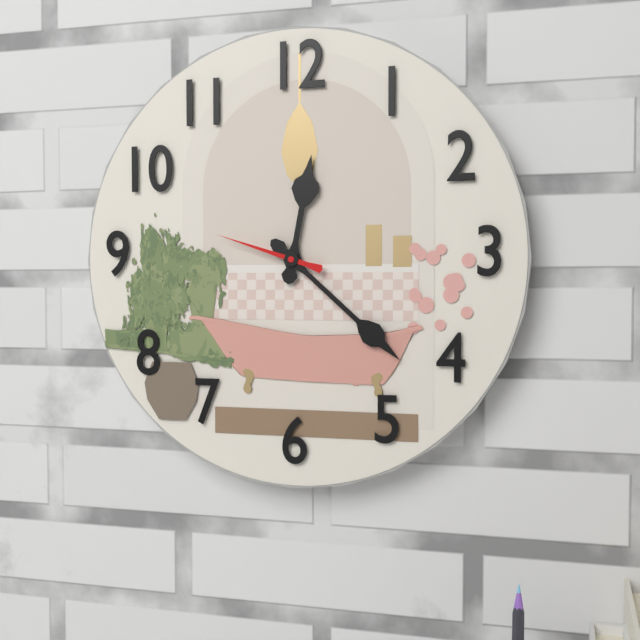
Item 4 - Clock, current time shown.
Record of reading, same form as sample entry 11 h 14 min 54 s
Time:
12 h 22 min 48 s
